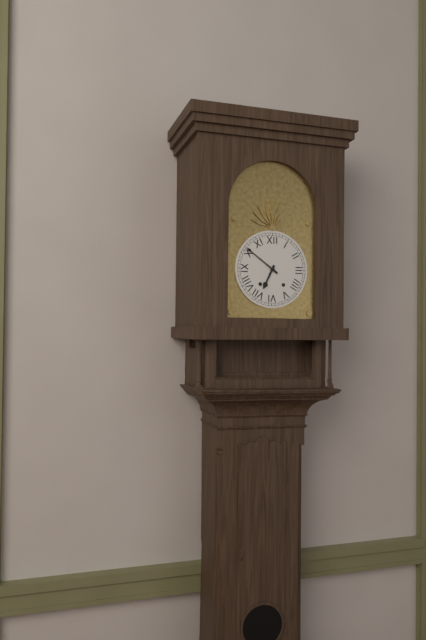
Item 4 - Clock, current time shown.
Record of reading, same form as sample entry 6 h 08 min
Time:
6 h 51 min
